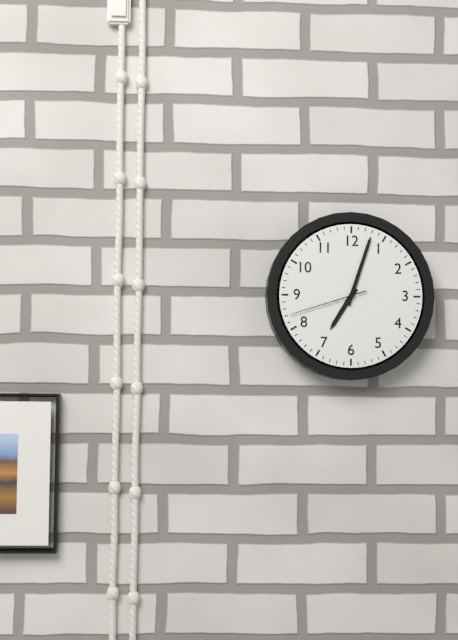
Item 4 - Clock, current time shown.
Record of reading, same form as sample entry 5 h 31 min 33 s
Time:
7 h 03 min 42 s
